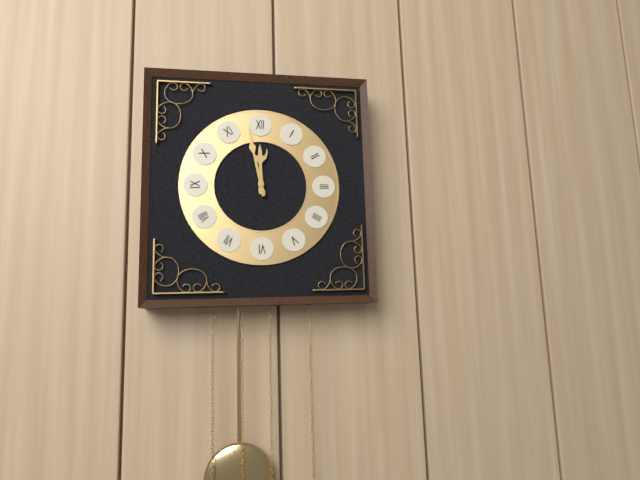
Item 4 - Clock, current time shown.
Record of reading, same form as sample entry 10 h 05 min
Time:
11 h 58 min
